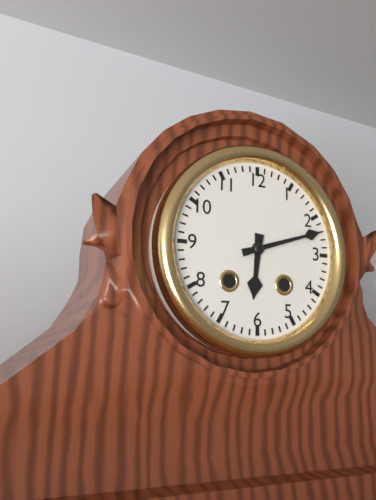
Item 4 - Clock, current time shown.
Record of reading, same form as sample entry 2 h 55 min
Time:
6 h 12 min
